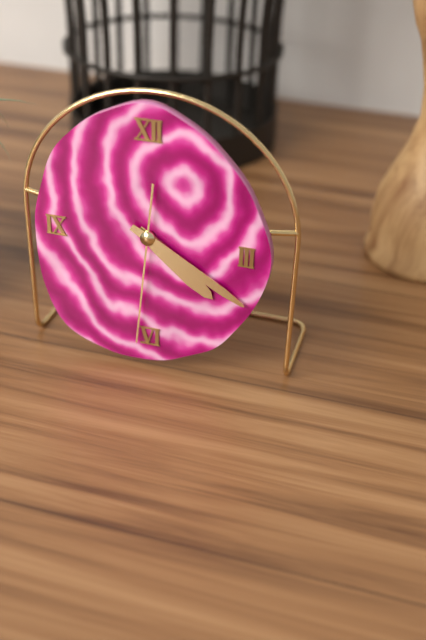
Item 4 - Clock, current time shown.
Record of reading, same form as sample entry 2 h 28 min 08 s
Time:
4 h 20 min 31 s
